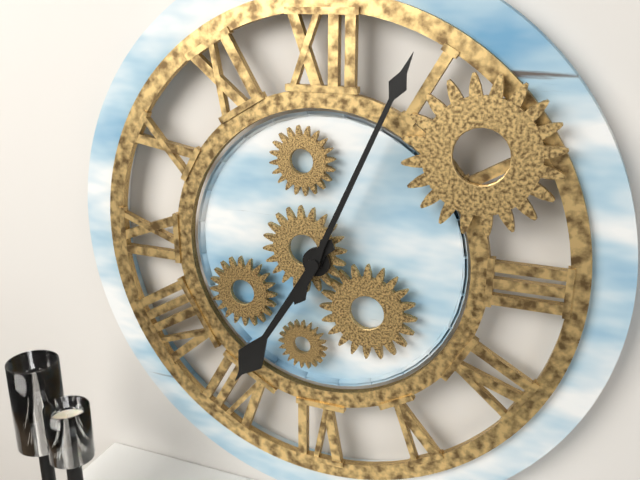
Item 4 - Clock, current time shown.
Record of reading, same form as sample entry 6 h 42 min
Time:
7 h 04 min
